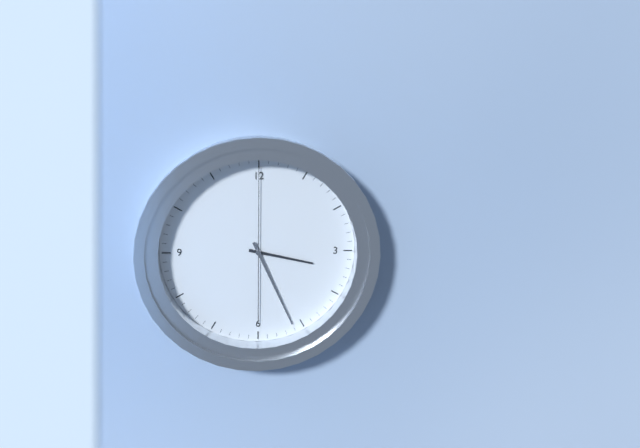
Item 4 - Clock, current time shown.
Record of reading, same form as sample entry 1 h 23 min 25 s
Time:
3 h 26 min 00 s
